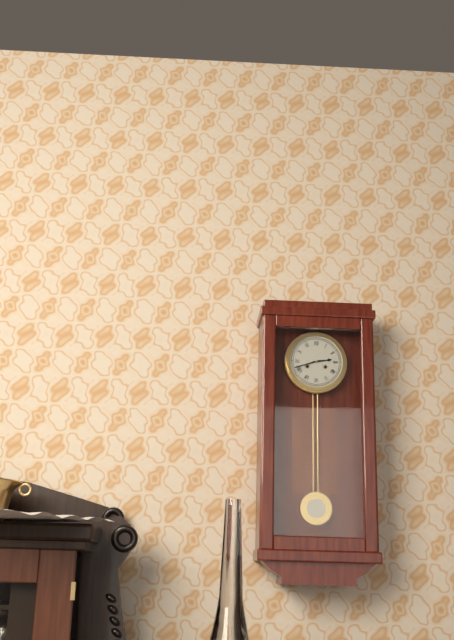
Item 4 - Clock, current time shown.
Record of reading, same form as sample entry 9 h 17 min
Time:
2 h 42 min
